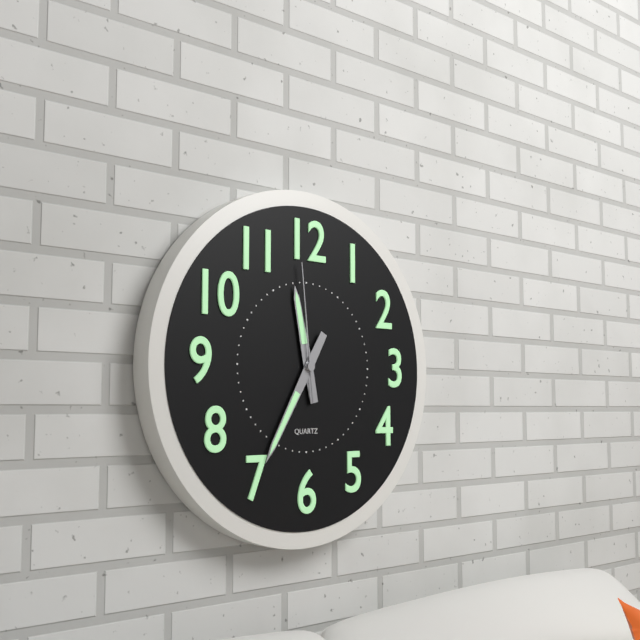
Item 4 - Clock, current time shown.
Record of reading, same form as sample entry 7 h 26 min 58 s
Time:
11 h 35 min 59 s
